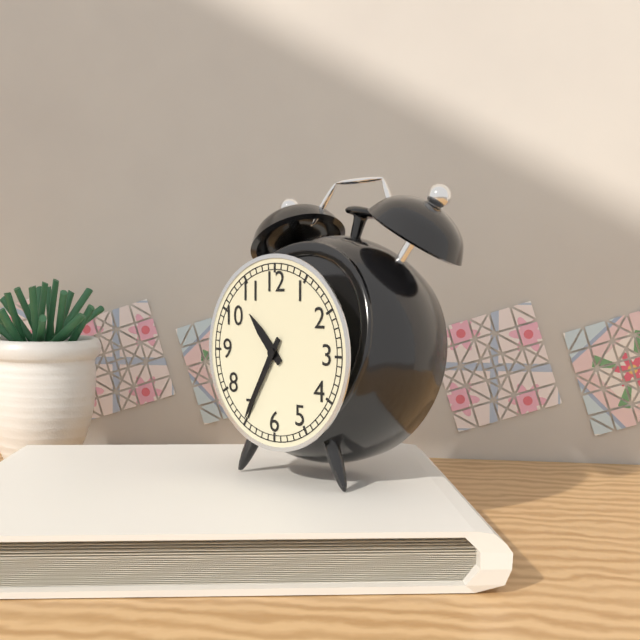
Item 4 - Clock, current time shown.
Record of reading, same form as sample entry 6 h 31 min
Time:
10 h 35 min
